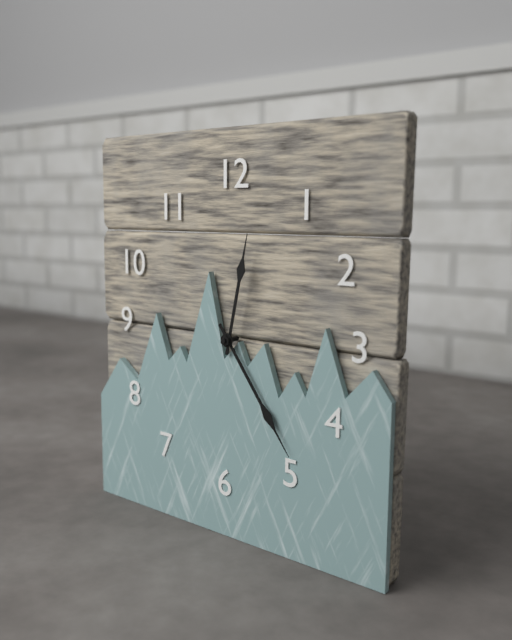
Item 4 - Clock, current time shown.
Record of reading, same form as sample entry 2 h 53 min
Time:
12 h 24 min
